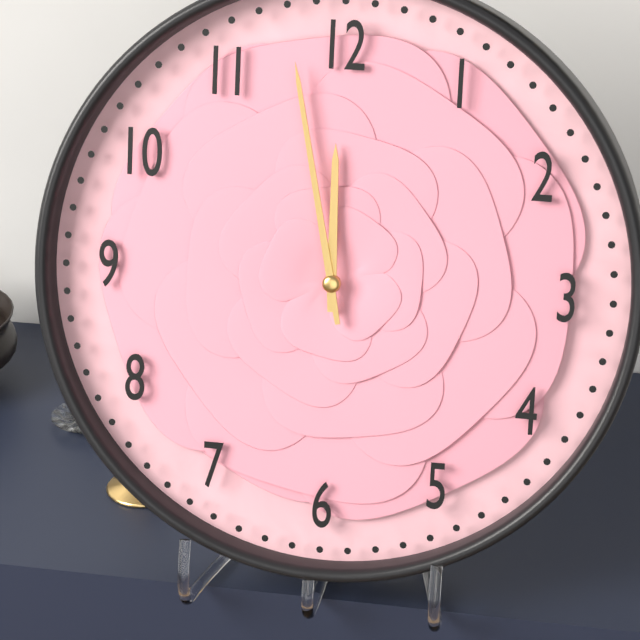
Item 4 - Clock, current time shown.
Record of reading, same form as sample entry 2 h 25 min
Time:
11 h 58 min
